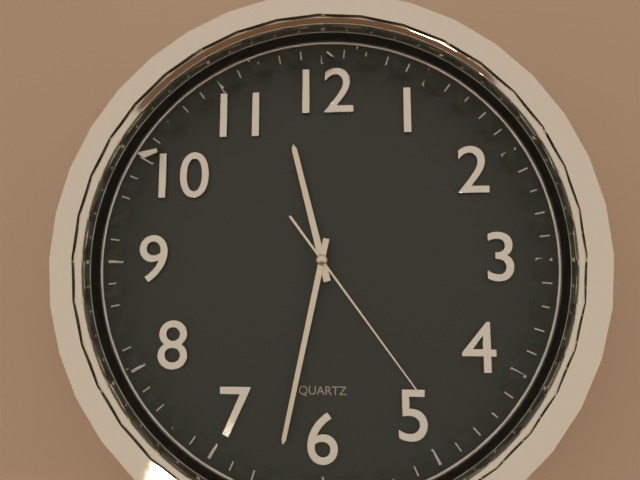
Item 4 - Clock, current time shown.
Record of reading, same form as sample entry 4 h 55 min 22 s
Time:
11 h 32 min 24 s
